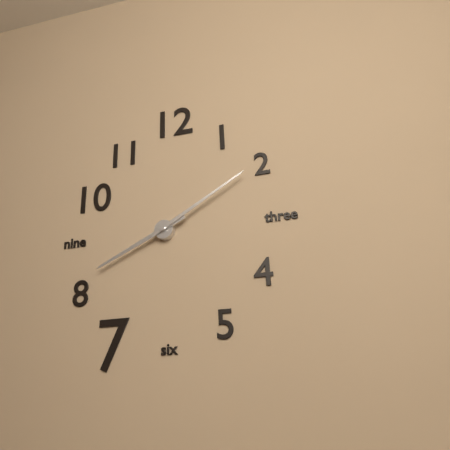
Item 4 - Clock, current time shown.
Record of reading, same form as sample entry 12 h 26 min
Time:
8 h 10 min
